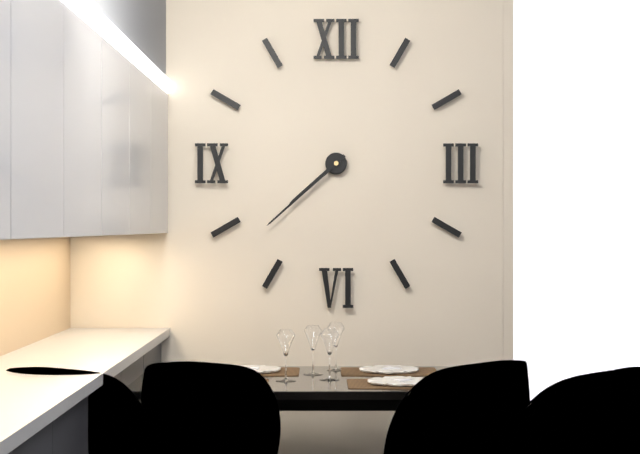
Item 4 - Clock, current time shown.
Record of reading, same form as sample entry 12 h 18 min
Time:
7 h 38 min
